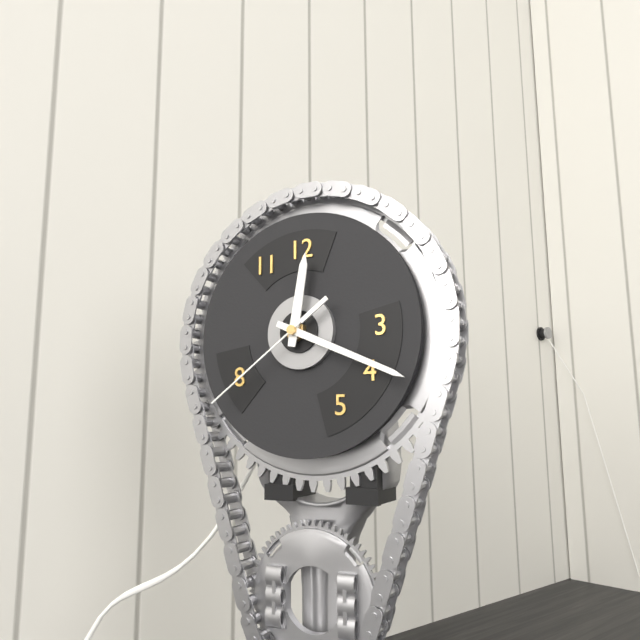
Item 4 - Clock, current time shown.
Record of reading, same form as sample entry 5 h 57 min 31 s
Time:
12 h 19 min 39 s
